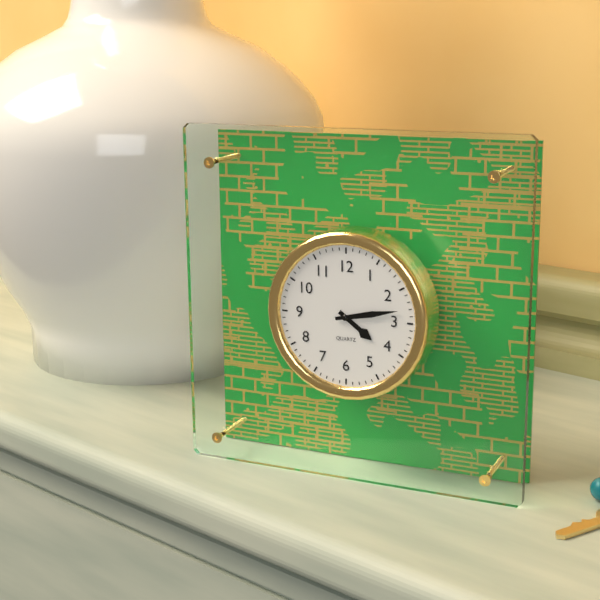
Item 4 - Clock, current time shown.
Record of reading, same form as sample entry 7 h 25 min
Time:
4 h 13 min
